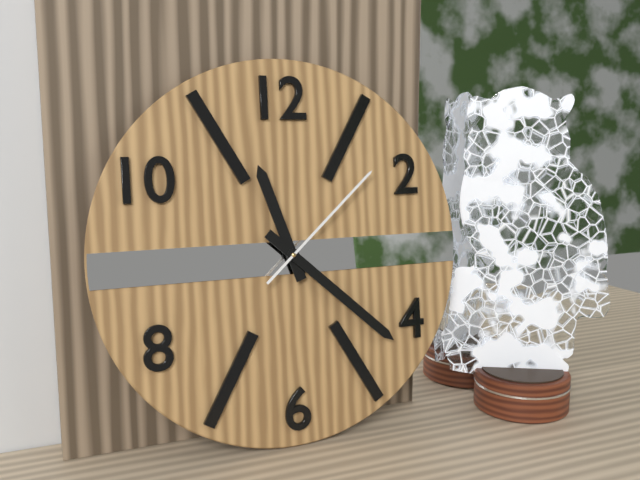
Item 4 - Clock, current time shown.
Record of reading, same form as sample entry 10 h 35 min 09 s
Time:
11 h 22 min 08 s
